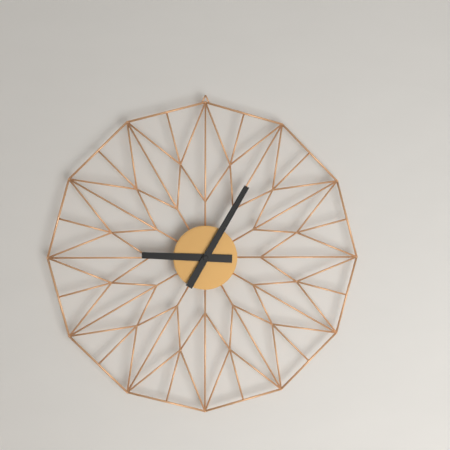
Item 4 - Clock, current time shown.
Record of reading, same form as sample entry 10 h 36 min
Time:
9 h 05 min
